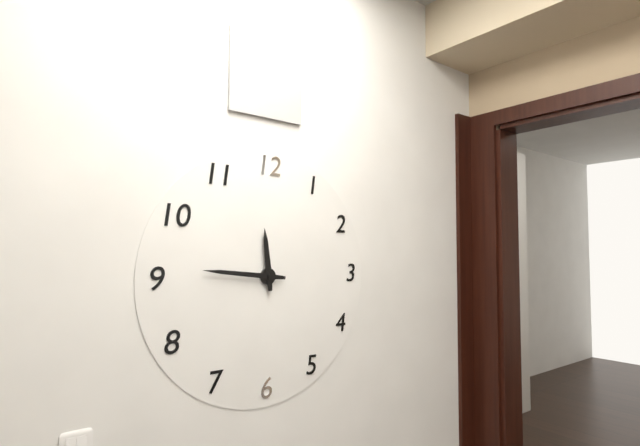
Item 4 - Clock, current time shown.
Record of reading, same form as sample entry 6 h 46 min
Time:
11 h 46 min
